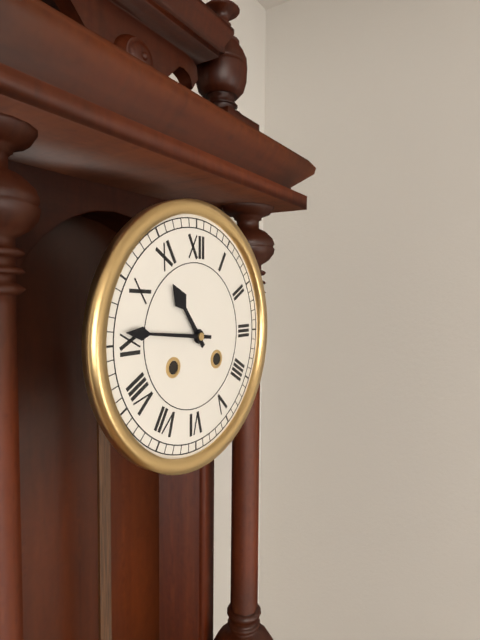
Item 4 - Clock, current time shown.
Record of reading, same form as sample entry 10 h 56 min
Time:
10 h 46 min
